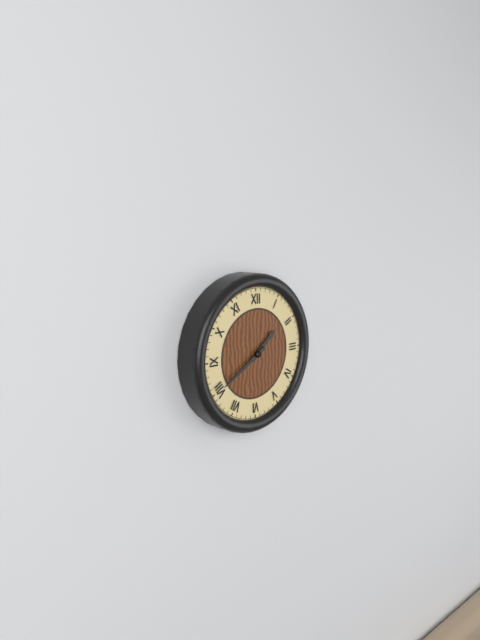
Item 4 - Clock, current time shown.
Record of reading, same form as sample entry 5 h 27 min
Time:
1 h 40 min
